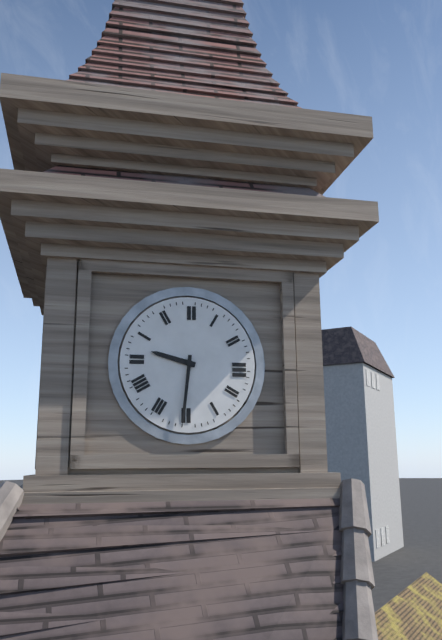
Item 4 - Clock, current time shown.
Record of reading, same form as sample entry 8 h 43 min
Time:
9 h 31 min
